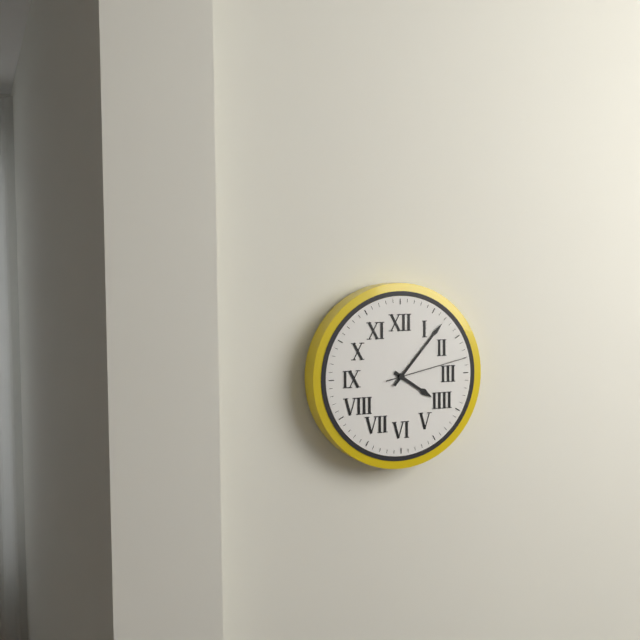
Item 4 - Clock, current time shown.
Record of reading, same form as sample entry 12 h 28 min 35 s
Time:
4 h 07 min 13 s
